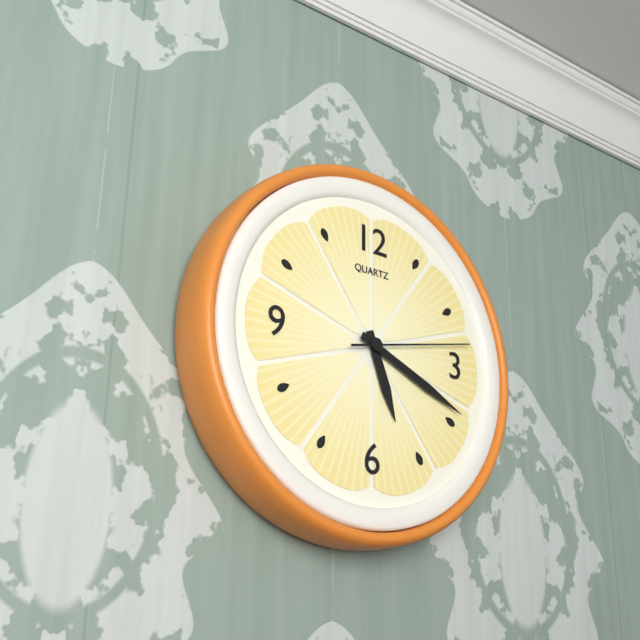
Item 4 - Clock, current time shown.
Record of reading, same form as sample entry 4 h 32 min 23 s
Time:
5 h 19 min 13 s
